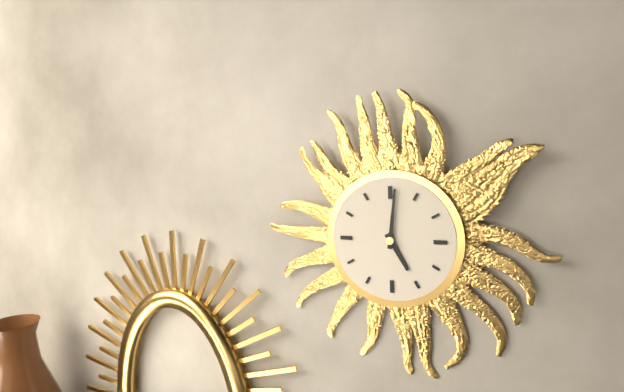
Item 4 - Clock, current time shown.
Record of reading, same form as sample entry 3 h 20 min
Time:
5 h 01 min
